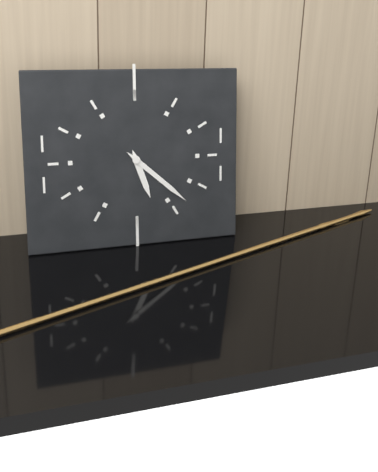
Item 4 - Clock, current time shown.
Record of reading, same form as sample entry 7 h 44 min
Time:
5 h 22 min
